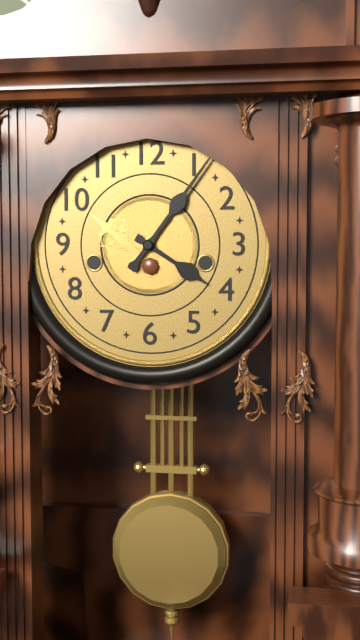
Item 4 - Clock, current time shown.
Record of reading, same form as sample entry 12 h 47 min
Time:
4 h 06 min
